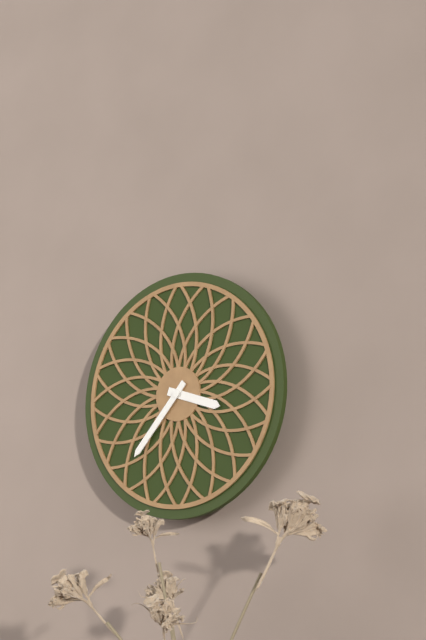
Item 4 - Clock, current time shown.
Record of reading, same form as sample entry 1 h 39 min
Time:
3 h 37 min
